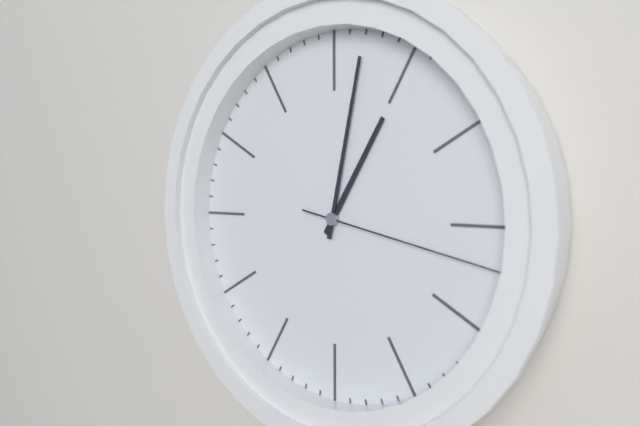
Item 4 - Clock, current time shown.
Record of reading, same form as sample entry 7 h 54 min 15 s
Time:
1 h 02 min 17 s
